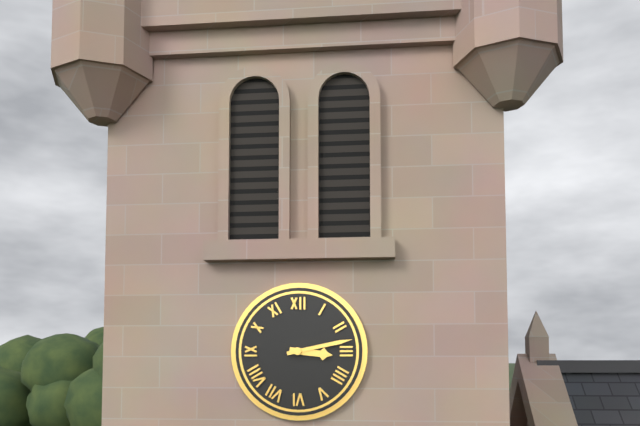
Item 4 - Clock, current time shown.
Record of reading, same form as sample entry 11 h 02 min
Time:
3 h 13 min
